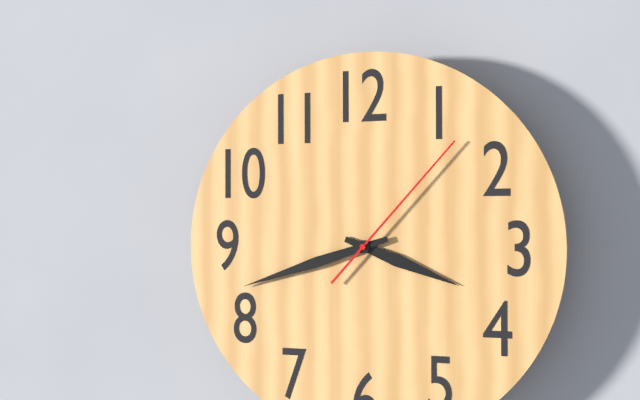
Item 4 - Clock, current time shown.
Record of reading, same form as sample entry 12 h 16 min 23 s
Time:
3 h 42 min 07 s
